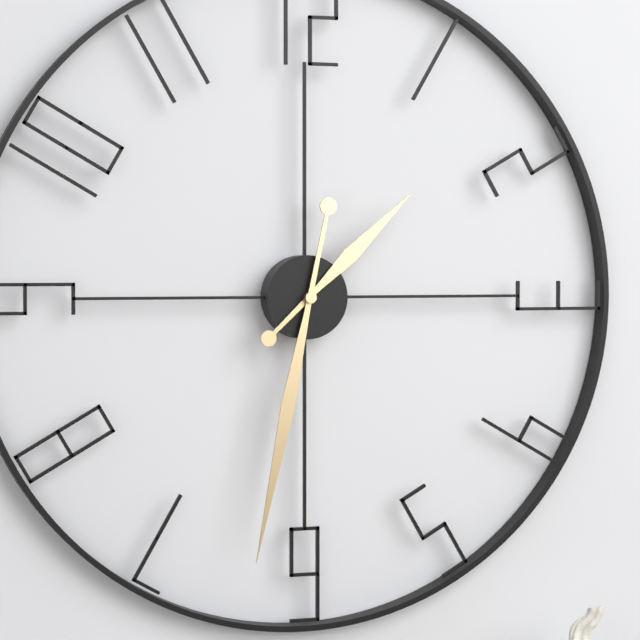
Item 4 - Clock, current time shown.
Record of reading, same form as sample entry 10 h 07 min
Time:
1 h 32 min
